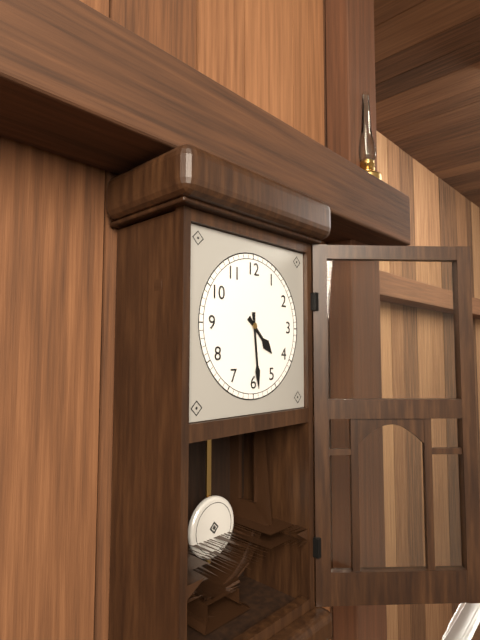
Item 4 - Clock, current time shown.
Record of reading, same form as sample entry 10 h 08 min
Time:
4 h 29 min
